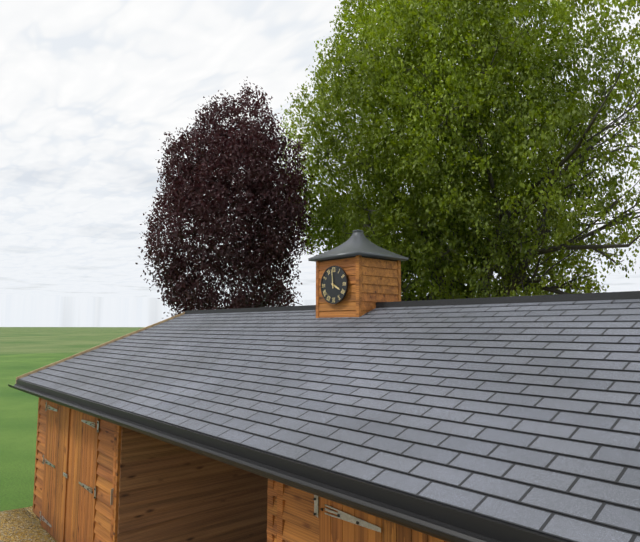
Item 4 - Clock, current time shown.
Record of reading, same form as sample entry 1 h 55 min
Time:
3 h 59 min
